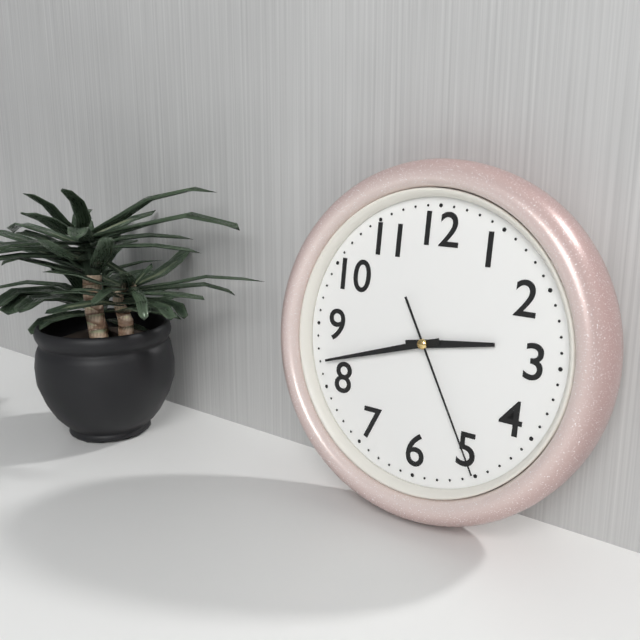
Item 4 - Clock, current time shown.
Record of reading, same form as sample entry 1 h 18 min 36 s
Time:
2 h 42 min 25 s
